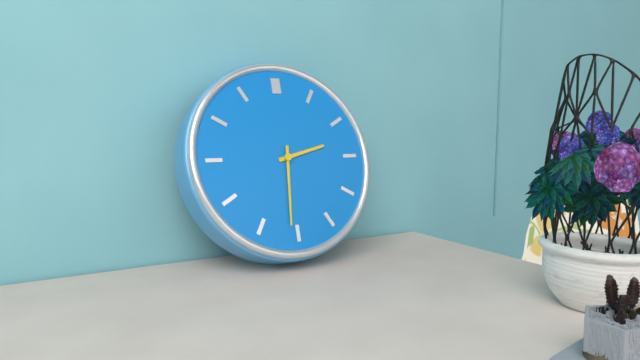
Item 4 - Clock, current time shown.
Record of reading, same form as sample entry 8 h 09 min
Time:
2 h 31 min
